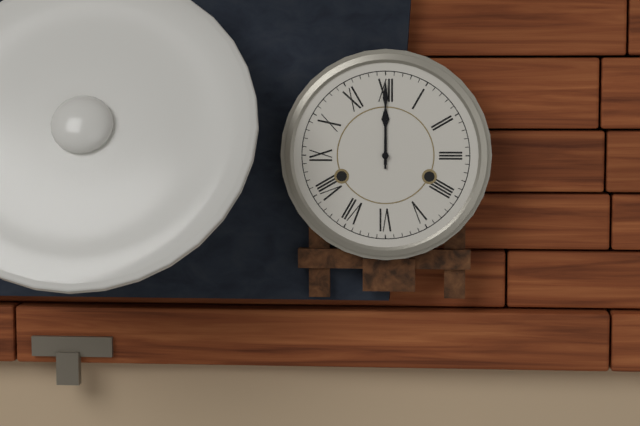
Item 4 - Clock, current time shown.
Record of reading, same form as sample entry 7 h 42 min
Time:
12 h 00 min
